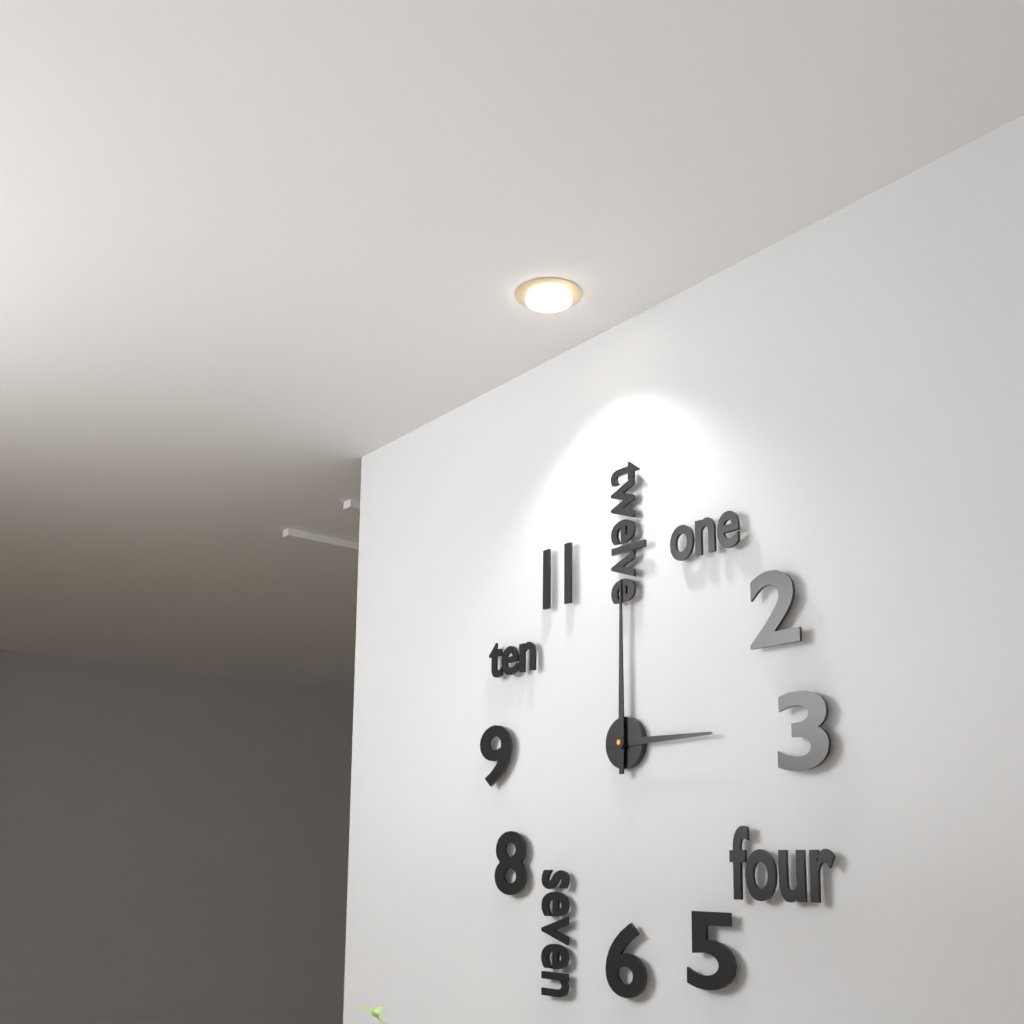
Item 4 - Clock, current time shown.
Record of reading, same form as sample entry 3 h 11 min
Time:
3 h 00 min
